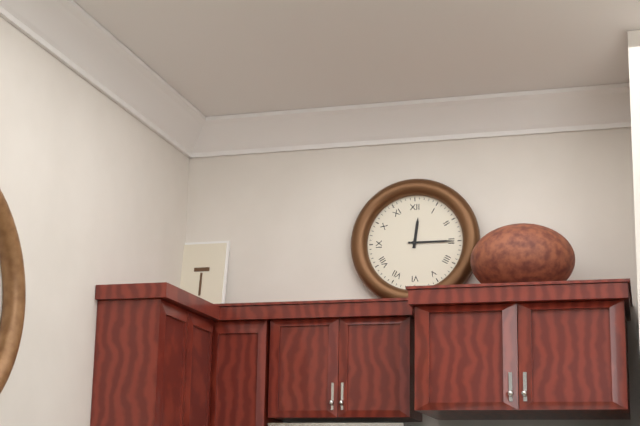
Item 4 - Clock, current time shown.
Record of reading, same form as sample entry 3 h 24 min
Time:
12 h 15 min
